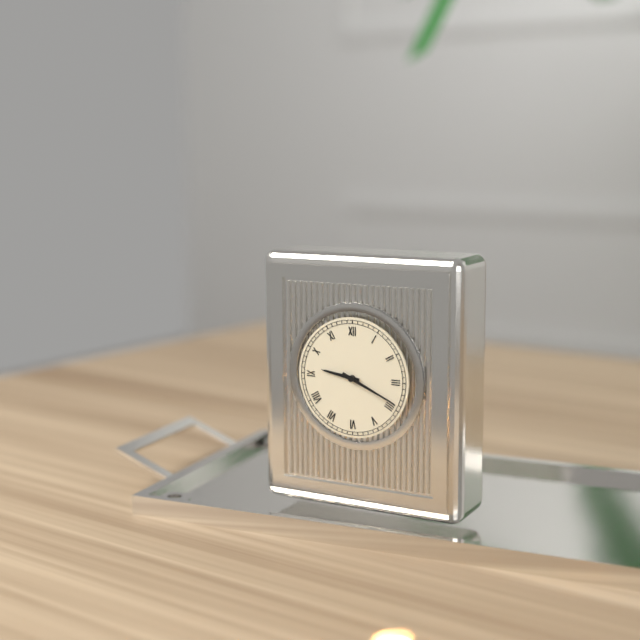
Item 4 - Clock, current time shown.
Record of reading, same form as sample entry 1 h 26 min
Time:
9 h 19 min
